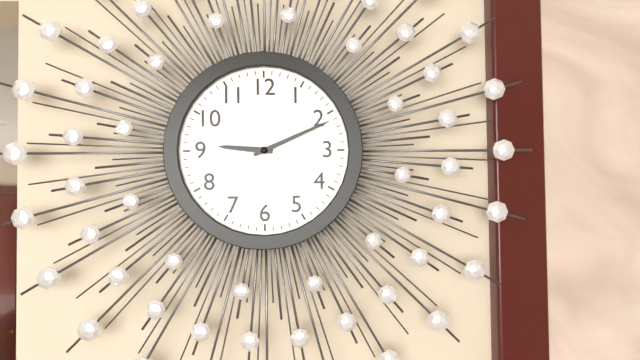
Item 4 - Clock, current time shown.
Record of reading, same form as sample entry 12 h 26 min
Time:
9 h 11 min
